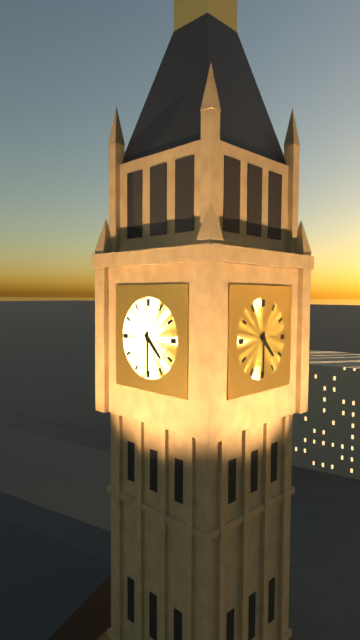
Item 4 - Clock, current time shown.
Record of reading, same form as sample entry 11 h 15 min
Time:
4 h 30 min
